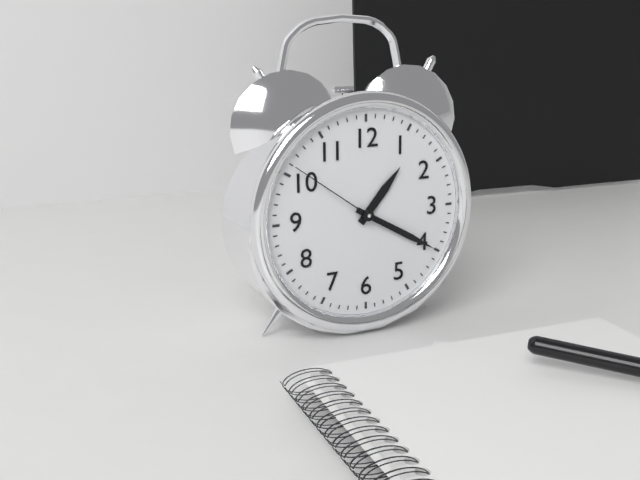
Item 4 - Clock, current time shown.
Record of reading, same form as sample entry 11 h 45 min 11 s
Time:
1 h 20 min 51 s
